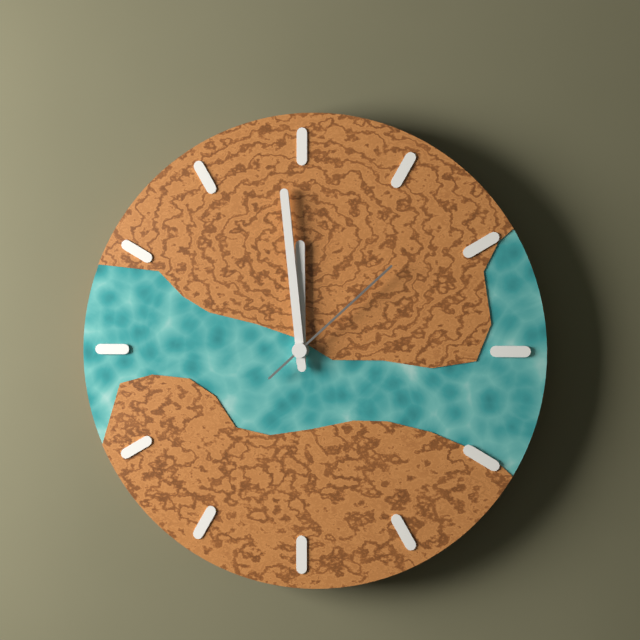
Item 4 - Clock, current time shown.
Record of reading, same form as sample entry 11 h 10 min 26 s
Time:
11 h 59 min 08 s
